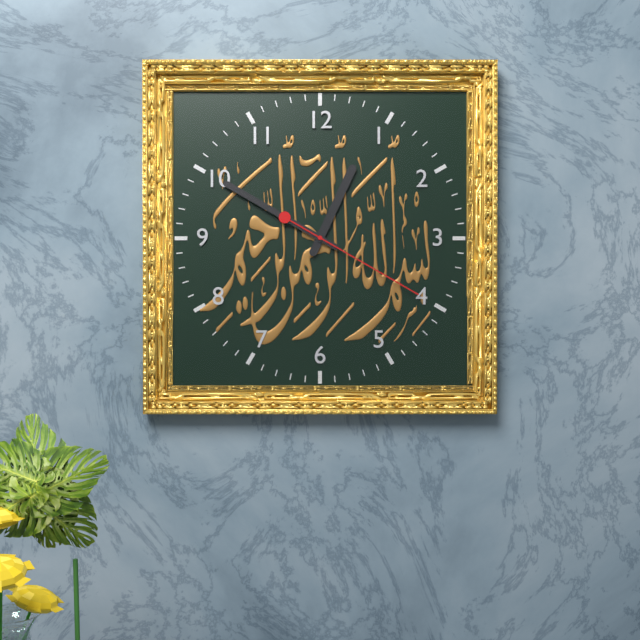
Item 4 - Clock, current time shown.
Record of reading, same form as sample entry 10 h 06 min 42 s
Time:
12 h 50 min 20 s
